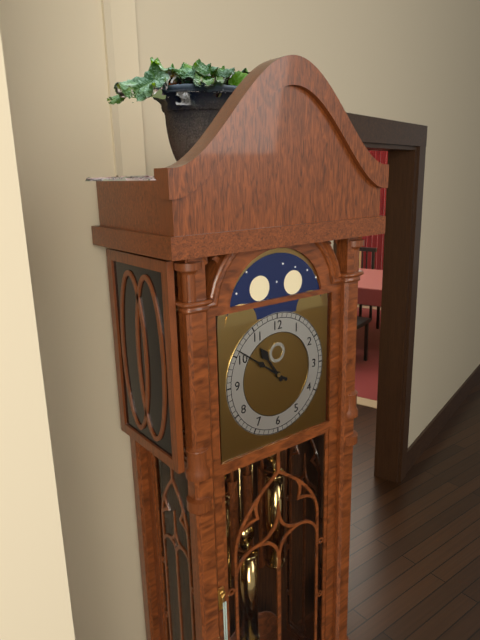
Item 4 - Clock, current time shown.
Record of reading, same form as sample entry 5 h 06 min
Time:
10 h 51 min
